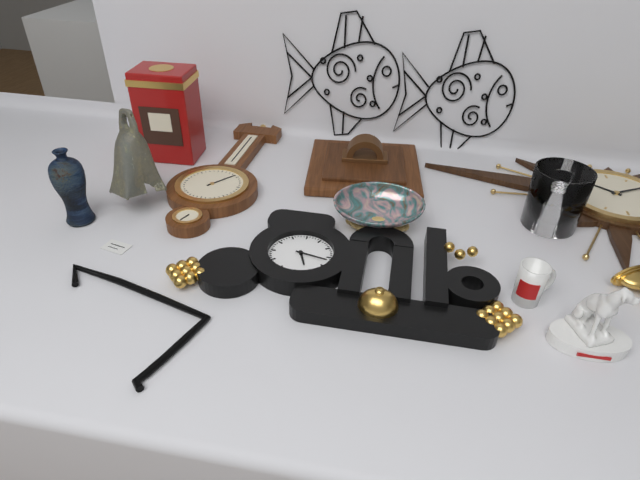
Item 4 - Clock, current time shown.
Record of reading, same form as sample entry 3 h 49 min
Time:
5 h 17 min
